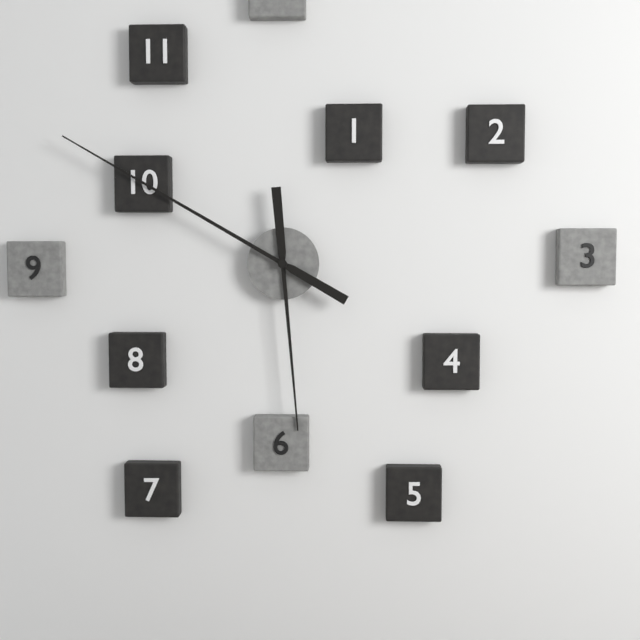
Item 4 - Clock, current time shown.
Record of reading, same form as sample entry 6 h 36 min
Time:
5 h 50 min
